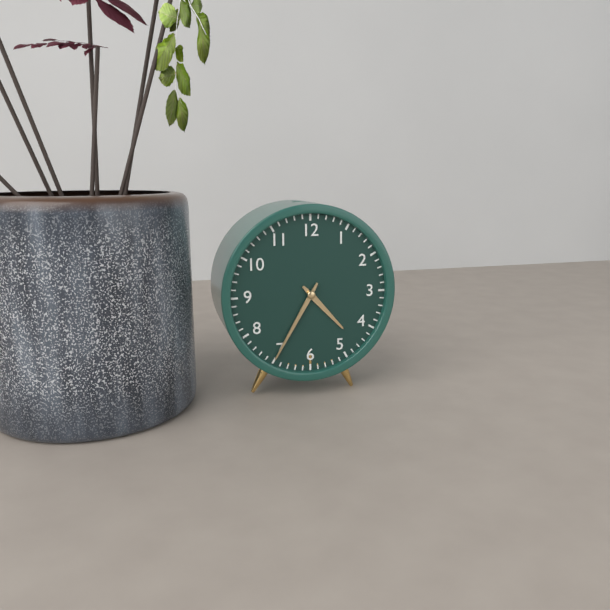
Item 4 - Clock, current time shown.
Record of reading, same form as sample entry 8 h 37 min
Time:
4 h 35 min
